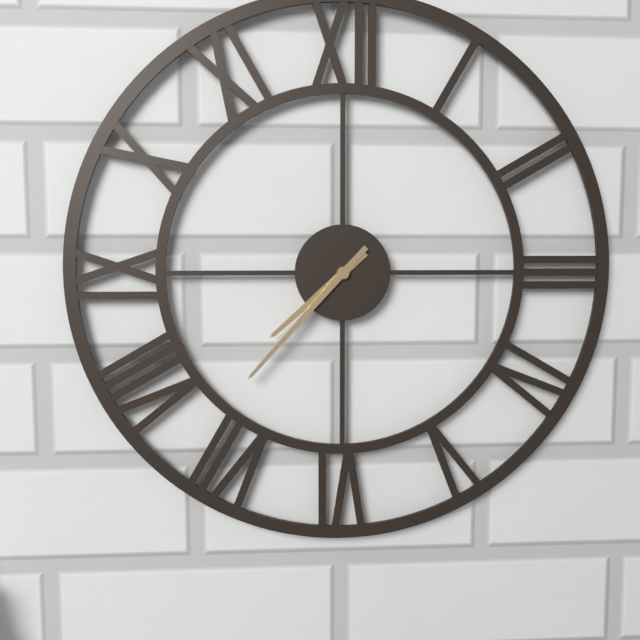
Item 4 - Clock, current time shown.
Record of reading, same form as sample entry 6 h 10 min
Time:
7 h 37 min
